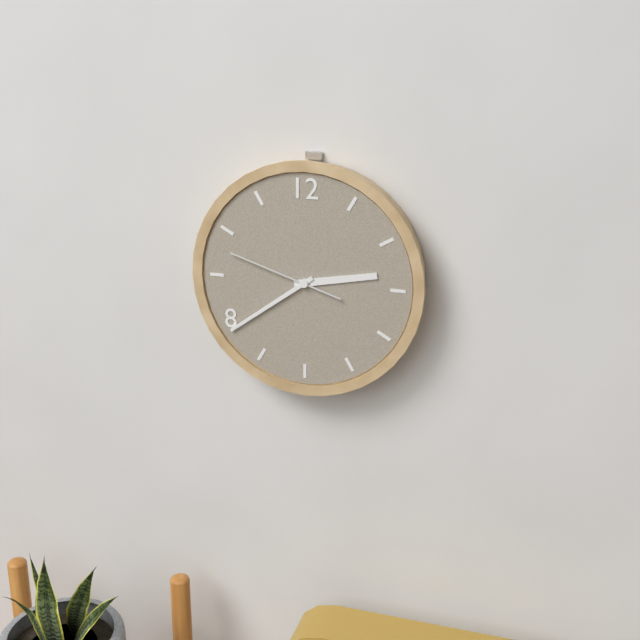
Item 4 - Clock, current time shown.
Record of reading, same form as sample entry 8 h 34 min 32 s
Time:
2 h 39 min 48 s
